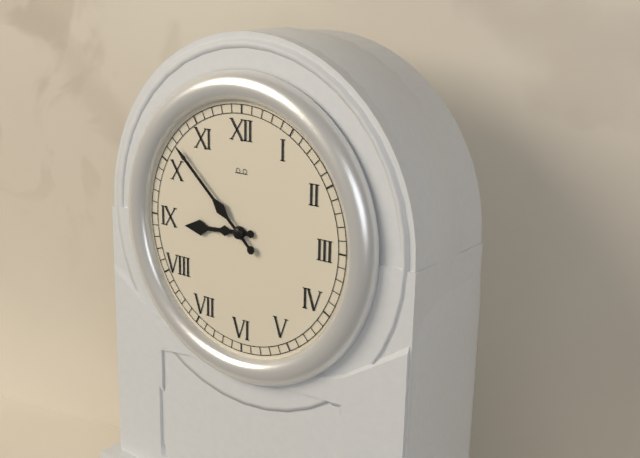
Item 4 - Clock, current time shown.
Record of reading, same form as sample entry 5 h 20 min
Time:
8 h 52 min
